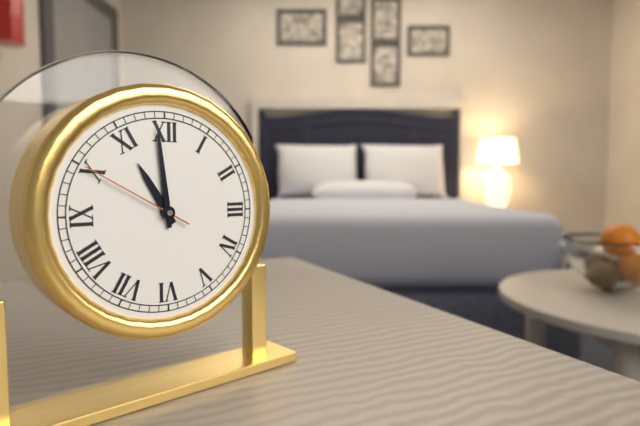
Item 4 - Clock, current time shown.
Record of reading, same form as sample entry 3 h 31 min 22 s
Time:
10 h 59 min 50 s
